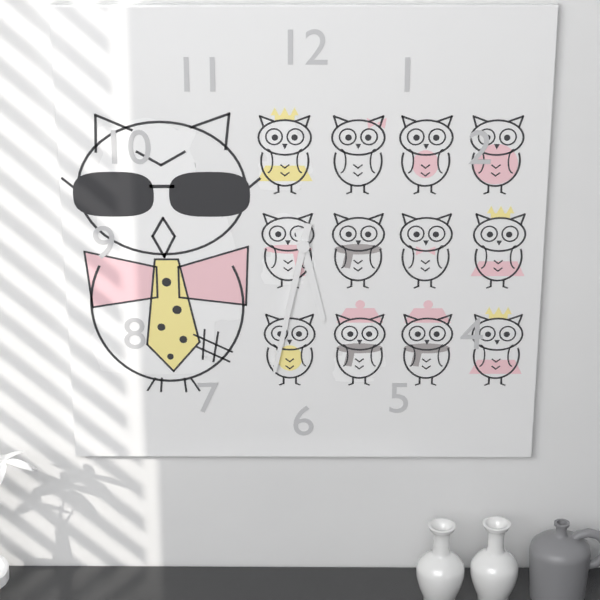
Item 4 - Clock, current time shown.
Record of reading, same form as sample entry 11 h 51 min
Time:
5 h 32 min
